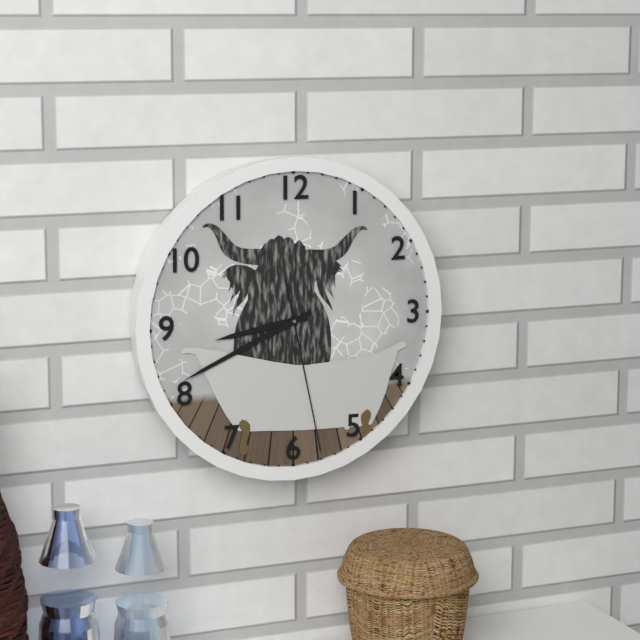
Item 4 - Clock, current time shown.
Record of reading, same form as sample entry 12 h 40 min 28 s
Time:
8 h 41 min 28 s
